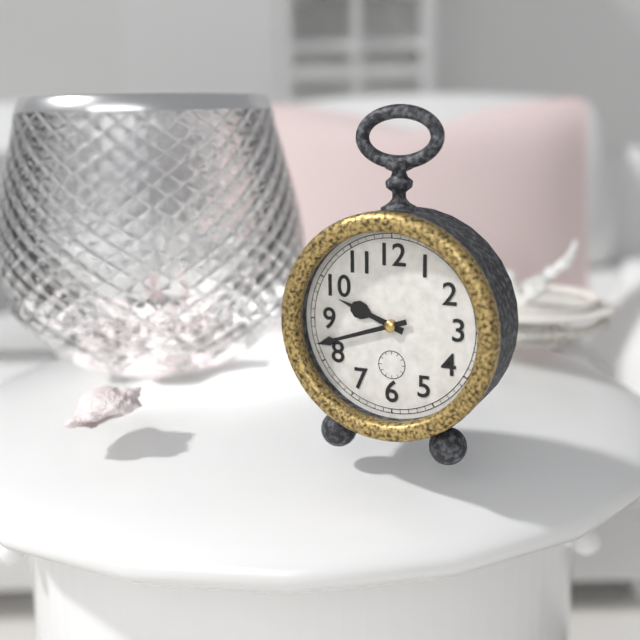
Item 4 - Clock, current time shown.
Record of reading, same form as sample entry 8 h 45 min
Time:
9 h 42 min
